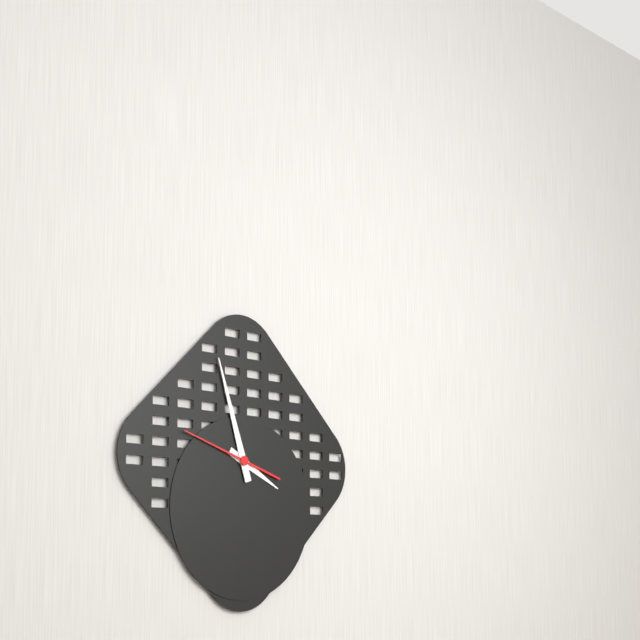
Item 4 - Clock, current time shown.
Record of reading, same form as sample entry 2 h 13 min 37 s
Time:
3 h 57 min 48 s
